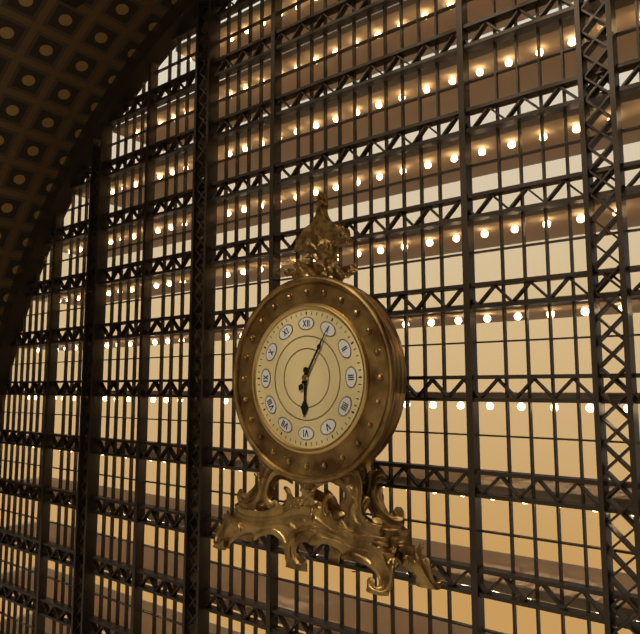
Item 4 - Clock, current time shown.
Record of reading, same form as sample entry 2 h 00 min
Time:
6 h 05 min
